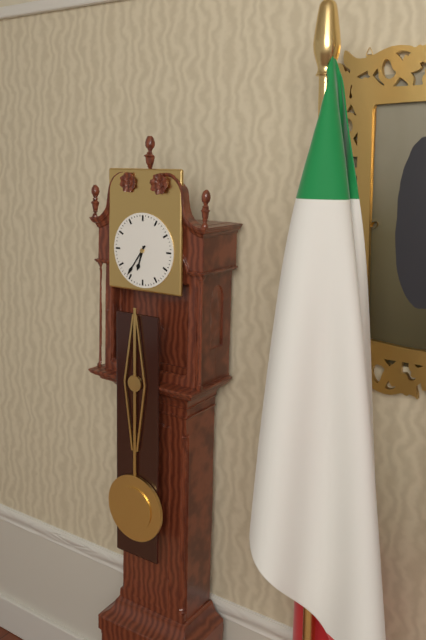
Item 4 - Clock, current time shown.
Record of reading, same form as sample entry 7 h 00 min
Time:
6 h 36 min
